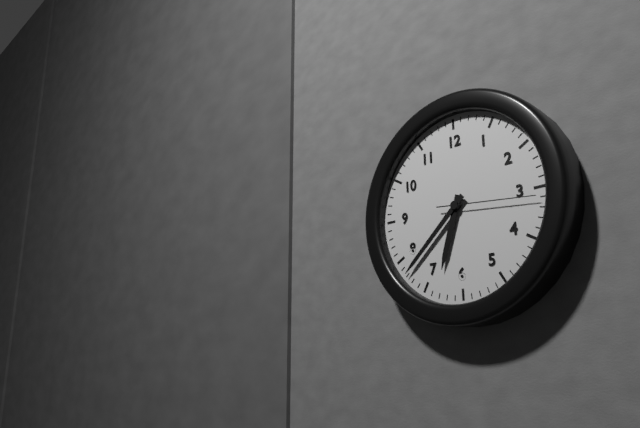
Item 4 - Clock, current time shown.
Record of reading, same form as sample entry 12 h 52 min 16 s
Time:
6 h 38 min 16 s
